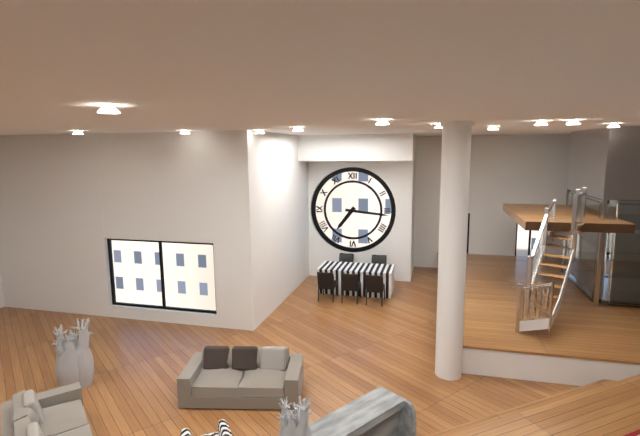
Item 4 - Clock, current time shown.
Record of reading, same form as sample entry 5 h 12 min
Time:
7 h 16 min
